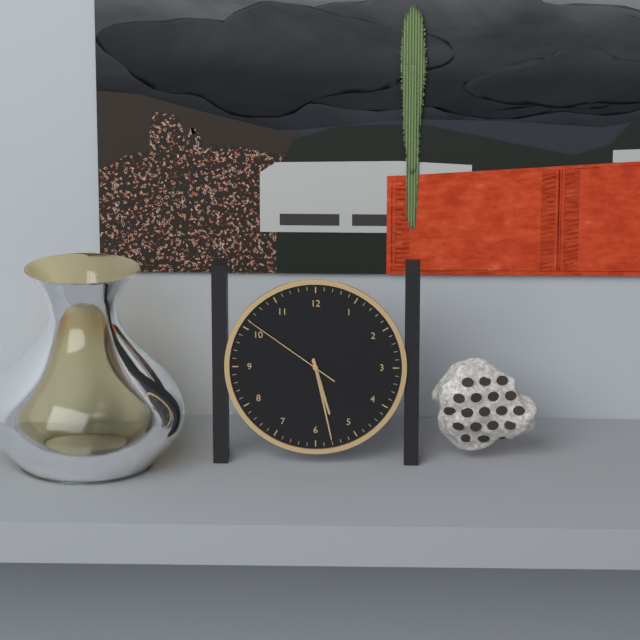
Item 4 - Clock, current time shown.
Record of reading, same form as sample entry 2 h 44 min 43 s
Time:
5 h 28 min 51 s
